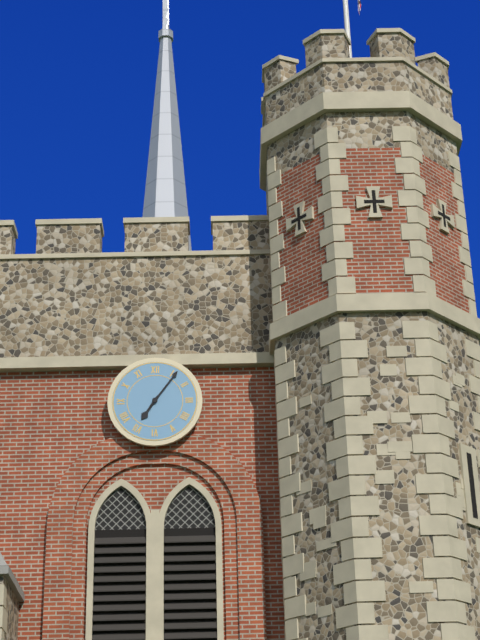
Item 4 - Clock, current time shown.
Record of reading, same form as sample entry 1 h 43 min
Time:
7 h 06 min
